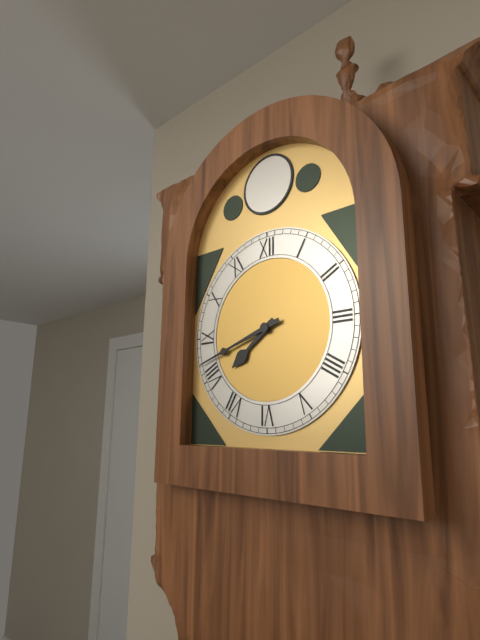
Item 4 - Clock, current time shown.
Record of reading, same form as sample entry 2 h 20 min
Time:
7 h 42 min
